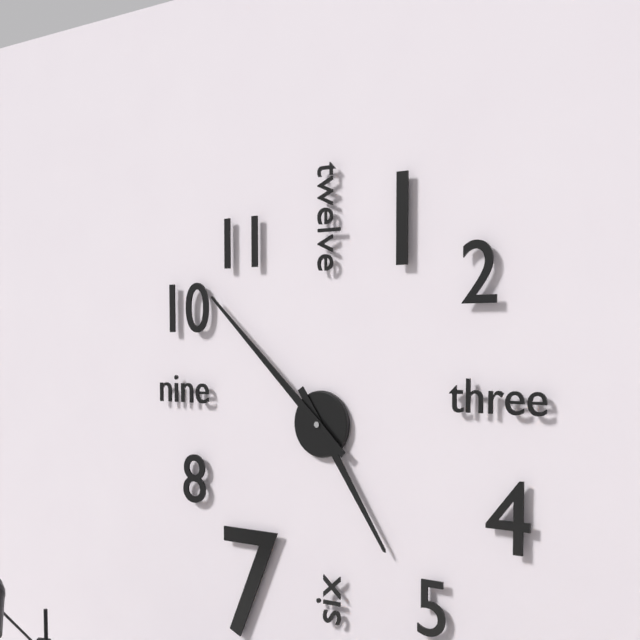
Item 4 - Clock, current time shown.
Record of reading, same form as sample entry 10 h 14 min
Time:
4 h 52 min
